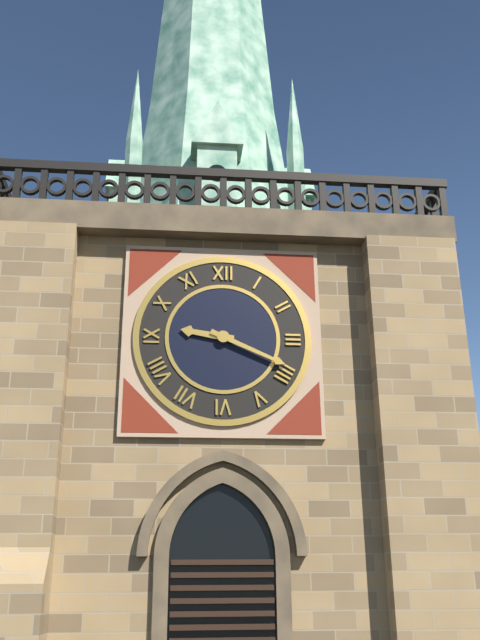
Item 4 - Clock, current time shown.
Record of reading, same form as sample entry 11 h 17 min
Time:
9 h 19 min
